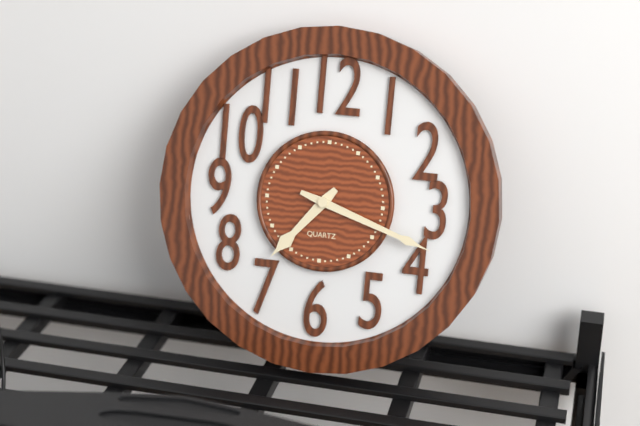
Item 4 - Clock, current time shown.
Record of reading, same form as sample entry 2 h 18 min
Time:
7 h 18 min
